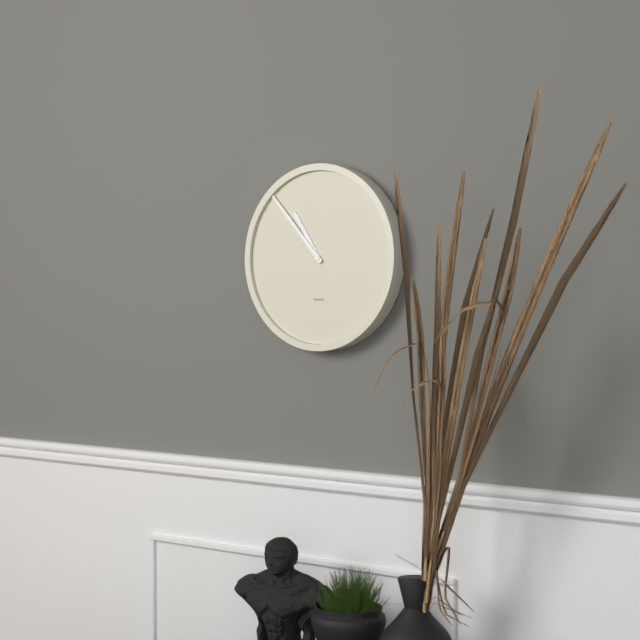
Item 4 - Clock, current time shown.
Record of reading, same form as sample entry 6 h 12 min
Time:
10 h 53 min
